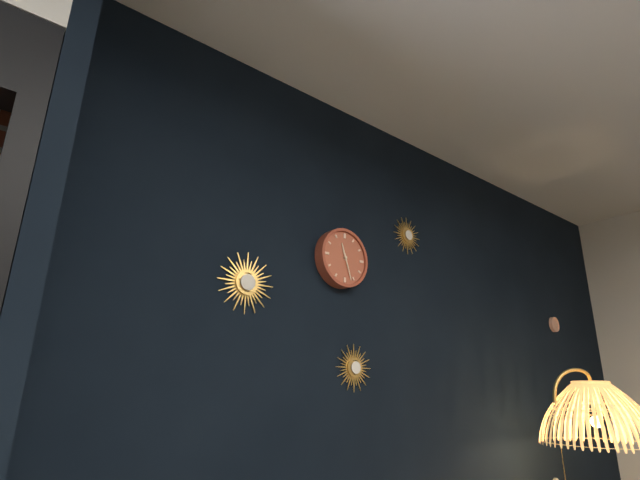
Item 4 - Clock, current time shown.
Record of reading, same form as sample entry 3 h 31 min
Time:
11 h 27 min
